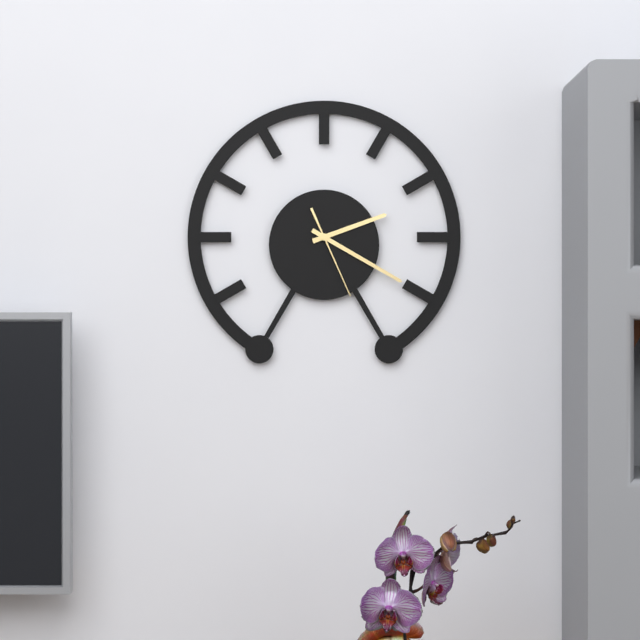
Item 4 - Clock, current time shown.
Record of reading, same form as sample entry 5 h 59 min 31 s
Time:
2 h 20 min 26 s
